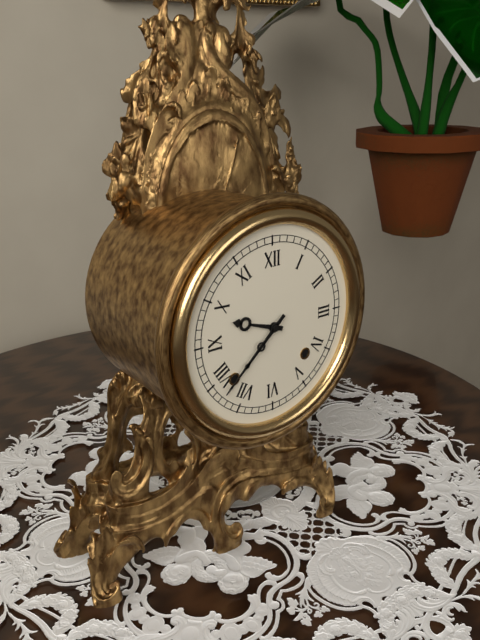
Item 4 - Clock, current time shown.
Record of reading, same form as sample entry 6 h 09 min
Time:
9 h 38 min
